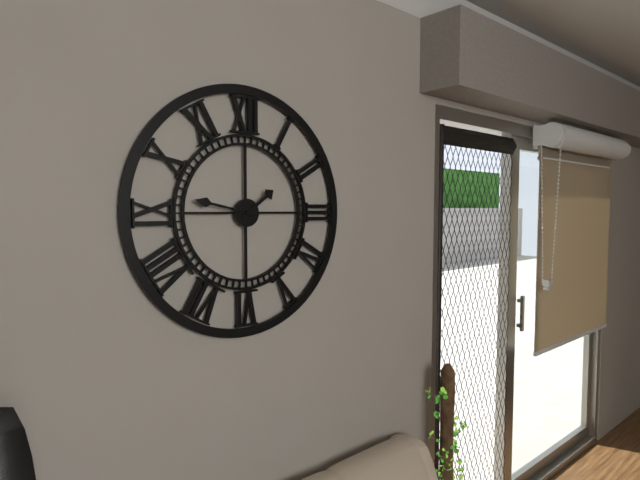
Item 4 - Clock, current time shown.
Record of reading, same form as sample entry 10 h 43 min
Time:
1 h 47 min
